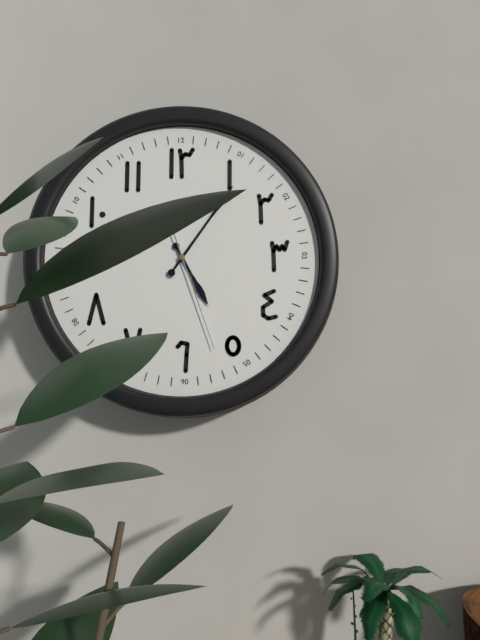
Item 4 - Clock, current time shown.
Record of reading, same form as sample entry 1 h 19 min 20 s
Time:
5 h 06 min 27 s
